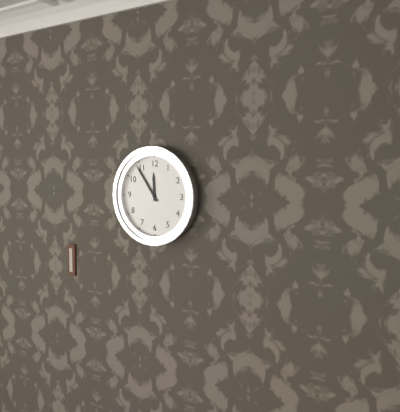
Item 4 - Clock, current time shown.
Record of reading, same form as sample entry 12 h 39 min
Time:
11 h 54 min
